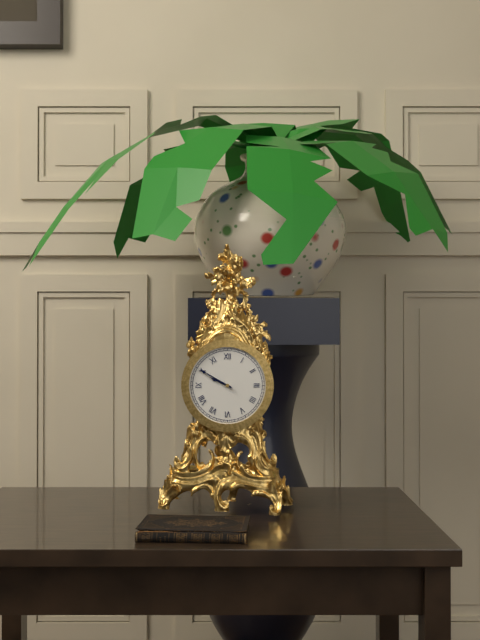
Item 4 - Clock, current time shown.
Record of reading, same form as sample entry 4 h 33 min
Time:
9 h 50 min
